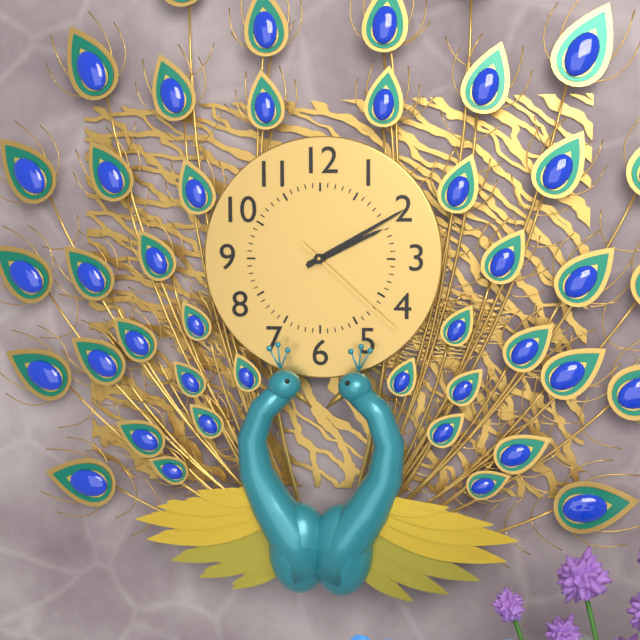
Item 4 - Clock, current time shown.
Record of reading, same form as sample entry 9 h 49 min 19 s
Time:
2 h 10 min 22 s
